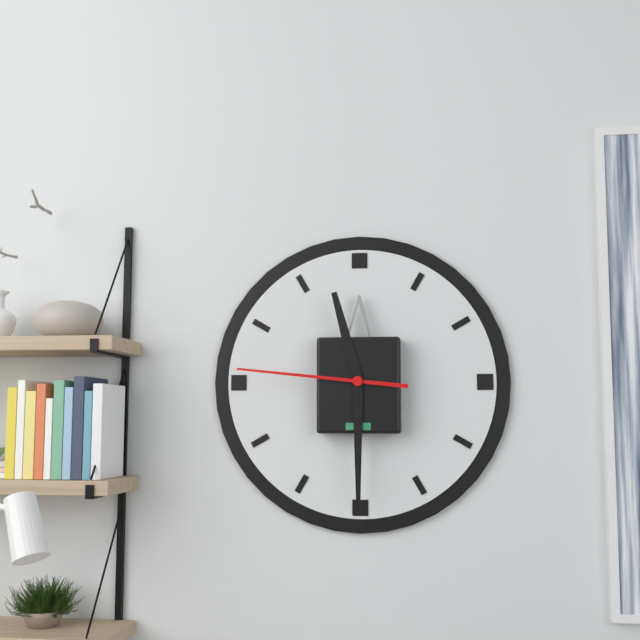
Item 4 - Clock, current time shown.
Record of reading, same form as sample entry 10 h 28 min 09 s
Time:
11 h 30 min 46 s
